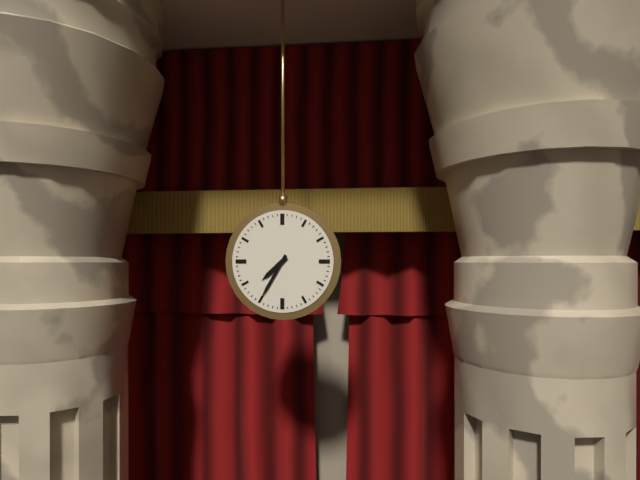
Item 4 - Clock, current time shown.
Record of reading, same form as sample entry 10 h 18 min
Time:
7 h 35 min
